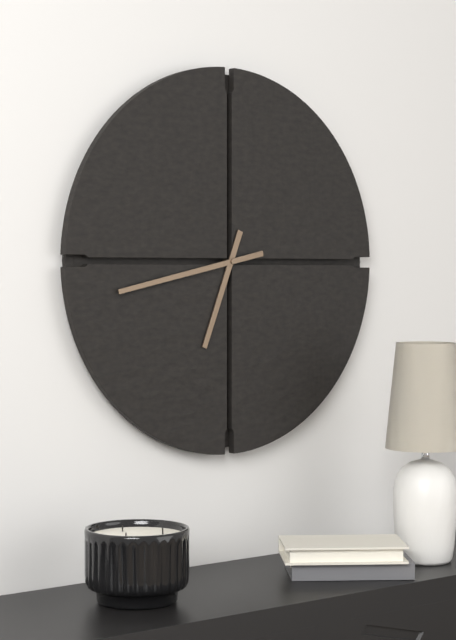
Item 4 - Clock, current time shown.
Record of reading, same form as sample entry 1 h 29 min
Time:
6 h 43 min
